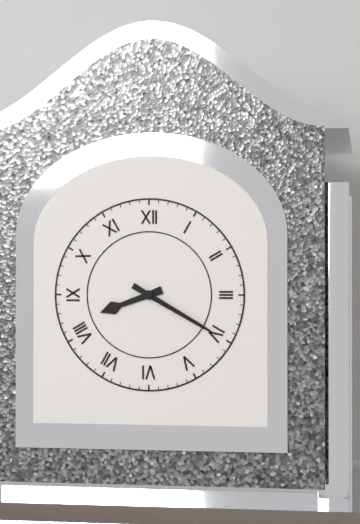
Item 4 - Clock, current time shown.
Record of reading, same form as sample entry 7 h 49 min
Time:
8 h 20 min
